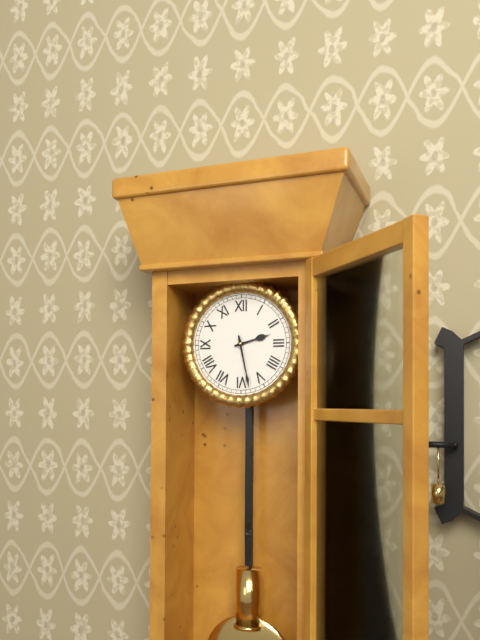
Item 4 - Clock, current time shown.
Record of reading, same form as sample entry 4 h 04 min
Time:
2 h 28 min
